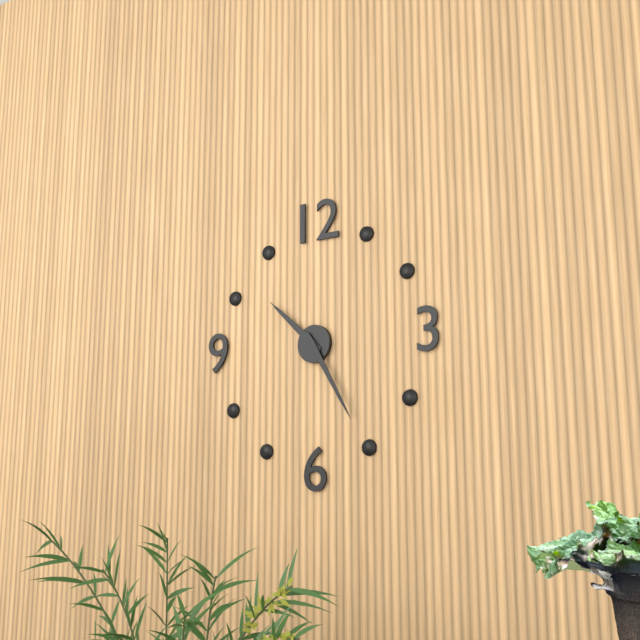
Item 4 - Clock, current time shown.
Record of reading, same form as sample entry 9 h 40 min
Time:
10 h 25 min
